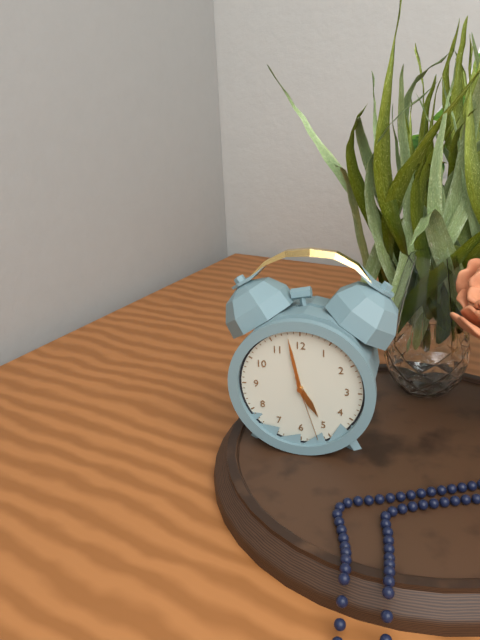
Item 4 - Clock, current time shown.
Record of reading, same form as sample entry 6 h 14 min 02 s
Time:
4 h 58 min 27 s
